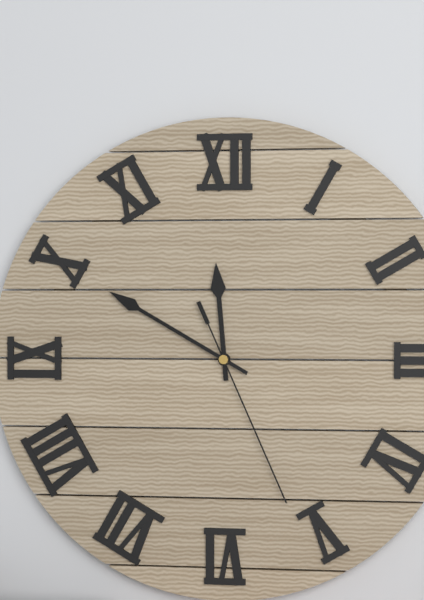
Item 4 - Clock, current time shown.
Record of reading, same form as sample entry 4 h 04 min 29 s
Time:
11 h 50 min 26 s
